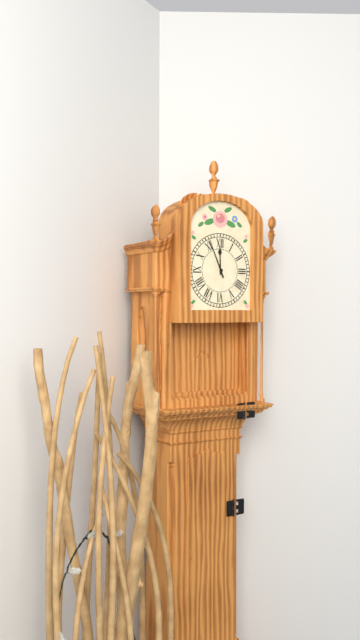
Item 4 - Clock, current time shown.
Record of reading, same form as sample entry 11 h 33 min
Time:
11 h 56 min
